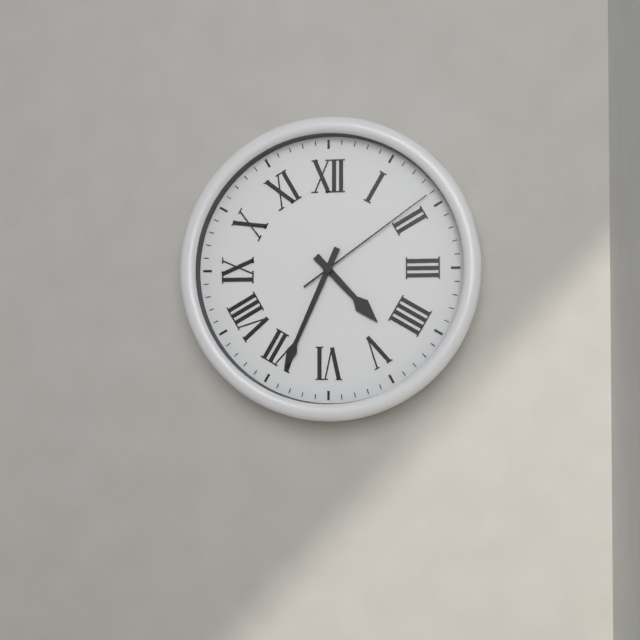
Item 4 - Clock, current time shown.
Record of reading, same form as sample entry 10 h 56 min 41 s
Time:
4 h 34 min 09 s
